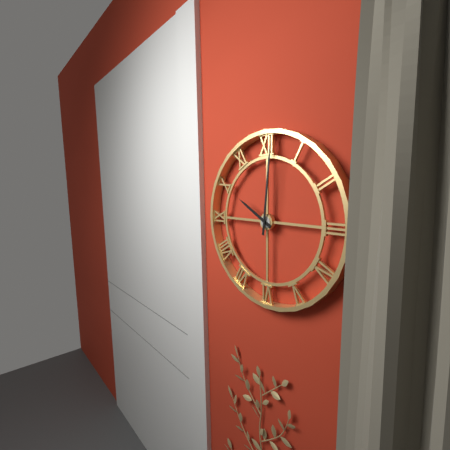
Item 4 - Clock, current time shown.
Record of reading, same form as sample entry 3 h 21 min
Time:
10 h 01 min
